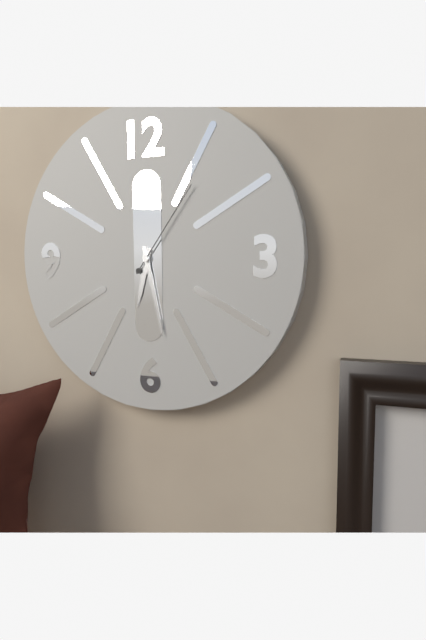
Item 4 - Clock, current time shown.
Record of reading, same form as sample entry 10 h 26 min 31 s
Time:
6 h 28 min 06 s
